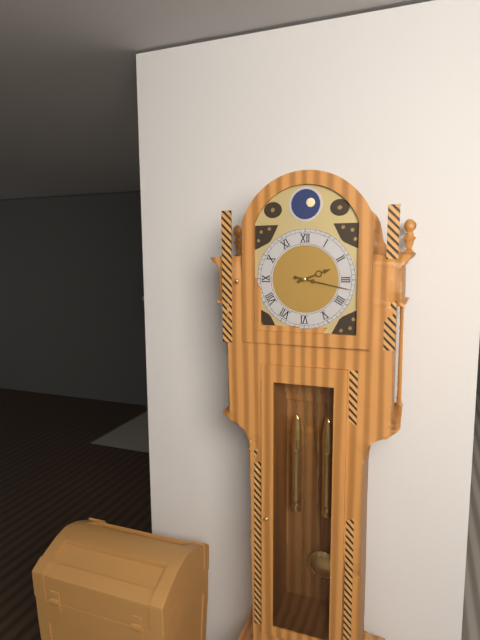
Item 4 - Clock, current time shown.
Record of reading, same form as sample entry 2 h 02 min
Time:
2 h 17 min
